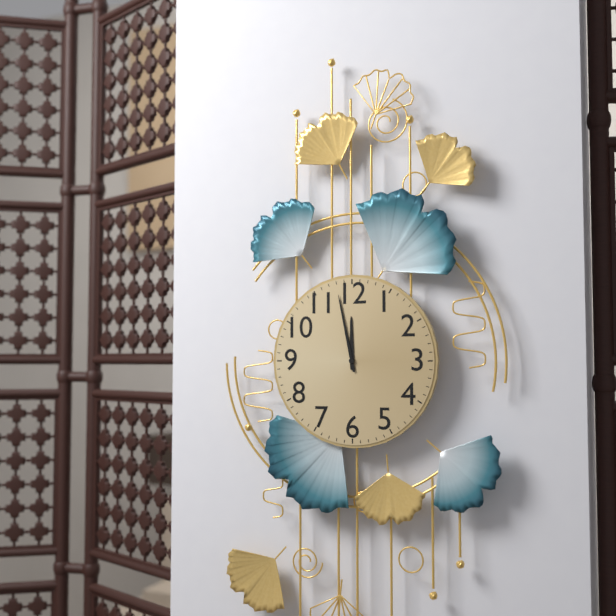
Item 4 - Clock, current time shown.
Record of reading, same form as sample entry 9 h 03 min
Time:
11 h 58 min
